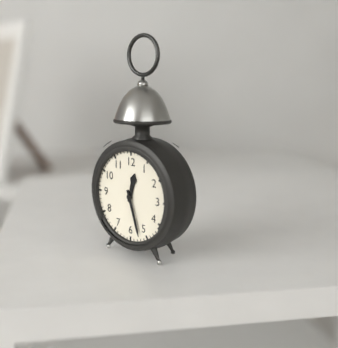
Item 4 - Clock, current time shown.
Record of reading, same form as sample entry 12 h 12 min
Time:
12 h 27 min
